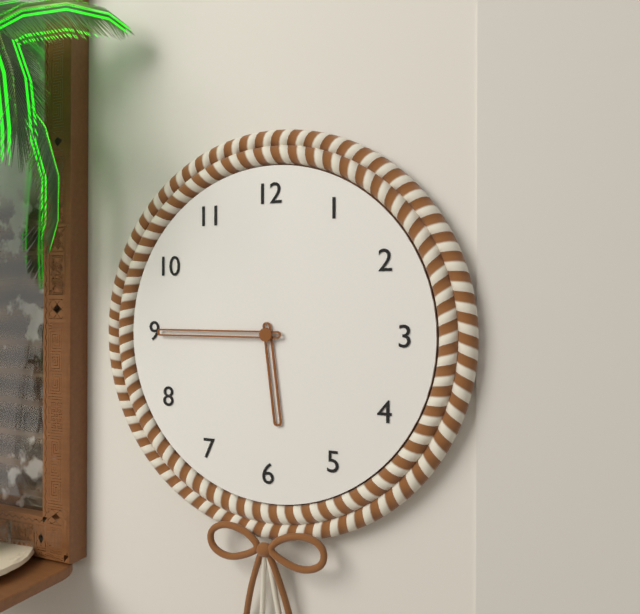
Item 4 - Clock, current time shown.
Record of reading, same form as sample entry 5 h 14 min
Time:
5 h 45 min
